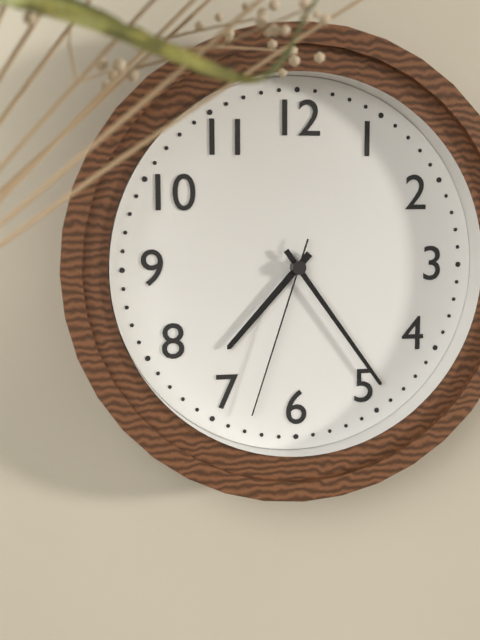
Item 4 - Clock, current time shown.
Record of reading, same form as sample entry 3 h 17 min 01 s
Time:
7 h 24 min 33 s
